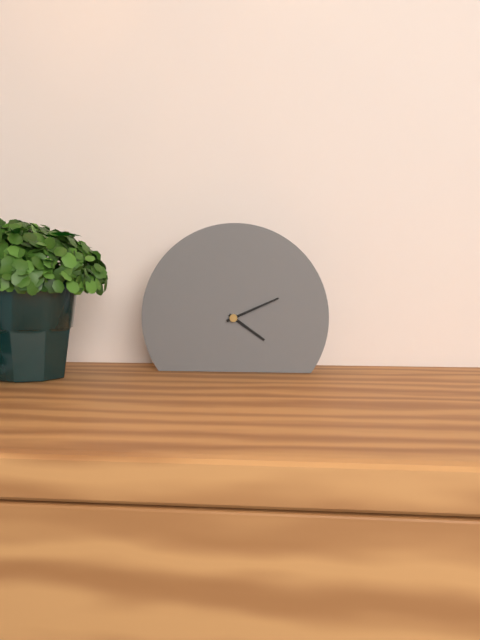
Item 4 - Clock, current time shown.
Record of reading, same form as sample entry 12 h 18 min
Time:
4 h 11 min
